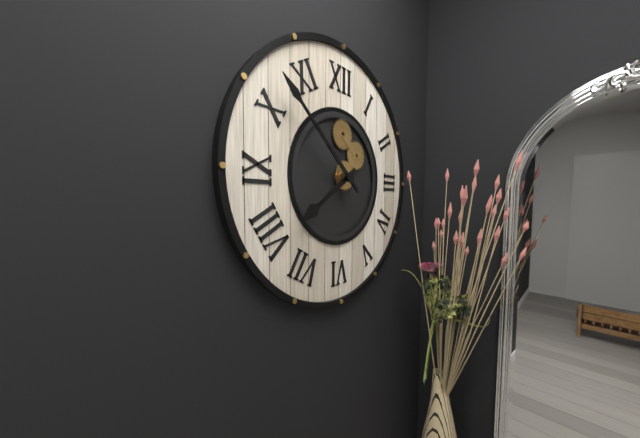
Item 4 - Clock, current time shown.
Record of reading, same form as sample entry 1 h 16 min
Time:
7 h 52 min
